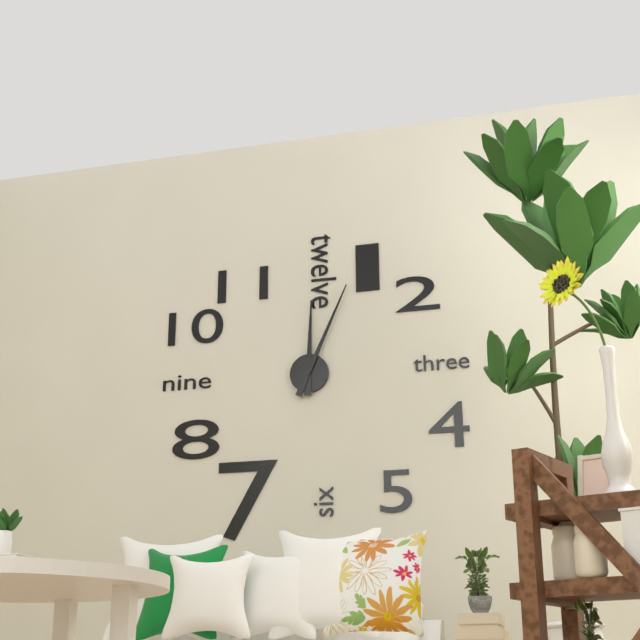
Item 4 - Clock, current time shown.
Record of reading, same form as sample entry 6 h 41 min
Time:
12 h 04 min
